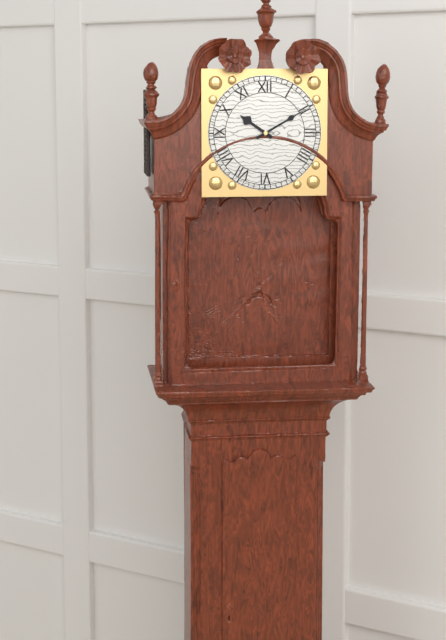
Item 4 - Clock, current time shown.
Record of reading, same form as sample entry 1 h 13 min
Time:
10 h 10 min
